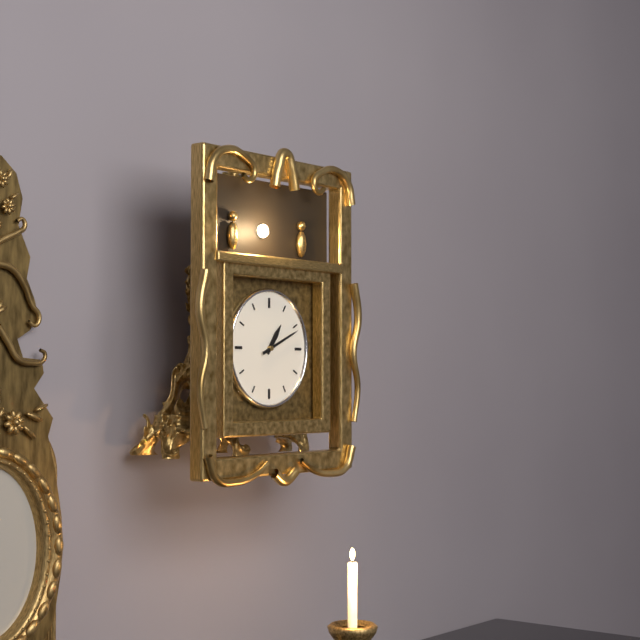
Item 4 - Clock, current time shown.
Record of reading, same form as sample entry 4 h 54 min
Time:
1 h 11 min
